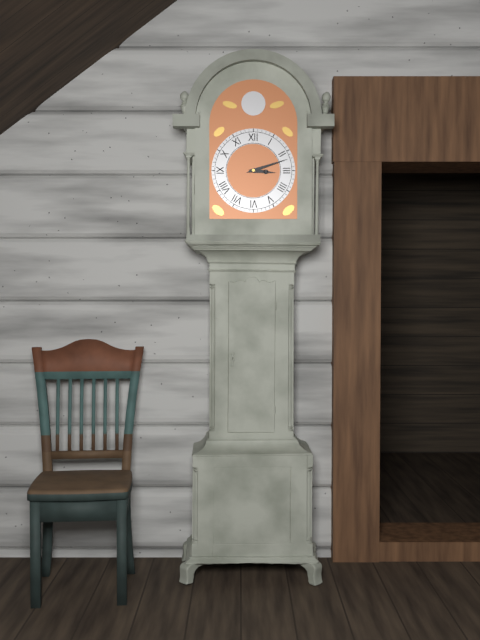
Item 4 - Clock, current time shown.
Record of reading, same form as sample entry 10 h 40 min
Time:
3 h 12 min
